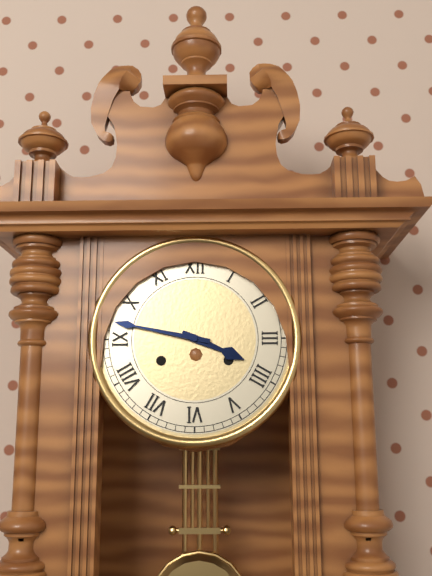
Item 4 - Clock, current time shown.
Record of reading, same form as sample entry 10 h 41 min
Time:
3 h 47 min
